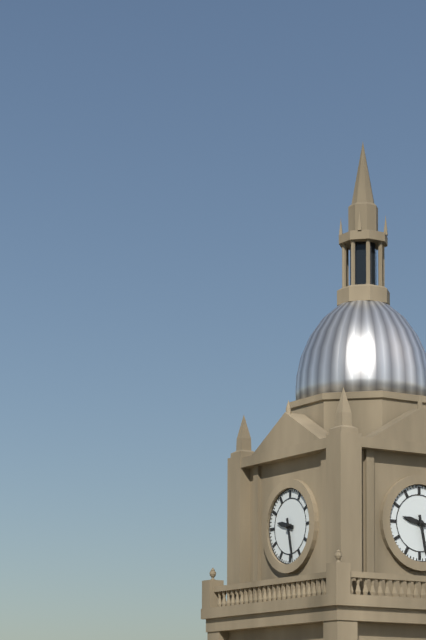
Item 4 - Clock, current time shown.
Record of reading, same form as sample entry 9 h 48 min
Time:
9 h 28 min
